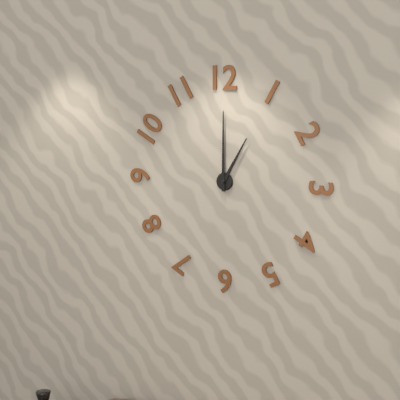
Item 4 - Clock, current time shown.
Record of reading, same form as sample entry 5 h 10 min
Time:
1 h 00 min
